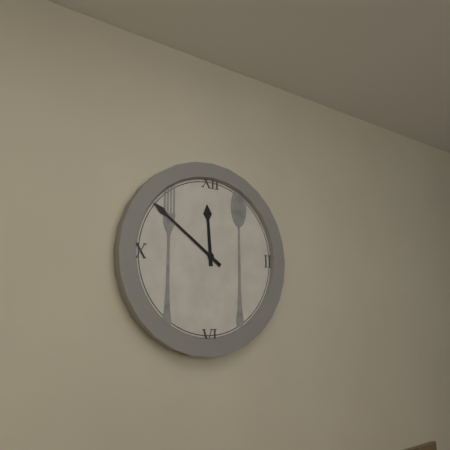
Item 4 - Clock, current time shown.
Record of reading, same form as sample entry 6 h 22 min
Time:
11 h 51 min
